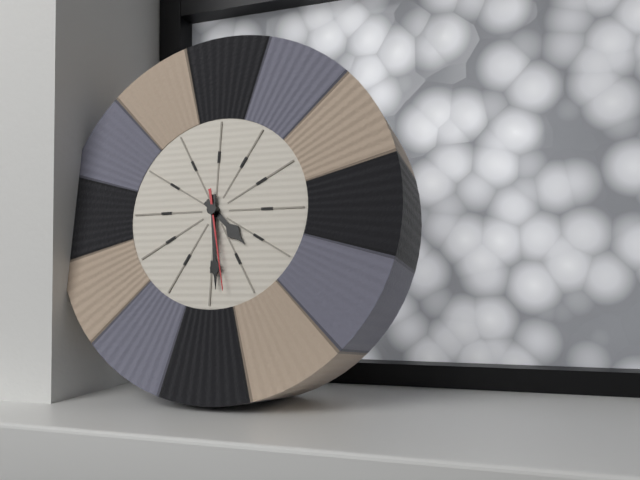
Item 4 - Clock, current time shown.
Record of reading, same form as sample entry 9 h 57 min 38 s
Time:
4 h 29 min 28 s
